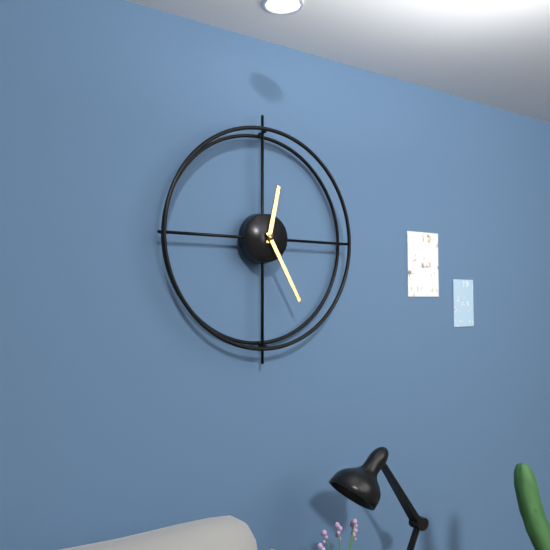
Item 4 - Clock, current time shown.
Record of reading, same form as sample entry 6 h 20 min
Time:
12 h 25 min
